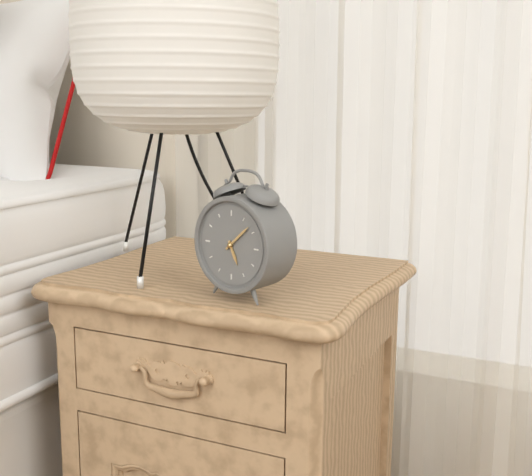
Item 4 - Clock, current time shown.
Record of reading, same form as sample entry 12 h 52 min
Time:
5 h 08 min
